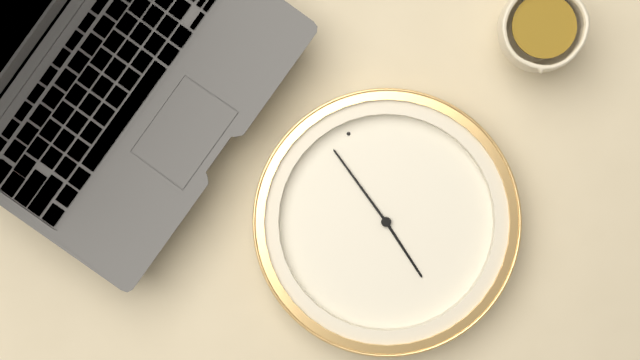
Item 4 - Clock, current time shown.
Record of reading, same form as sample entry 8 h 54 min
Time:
4 h 54 min
